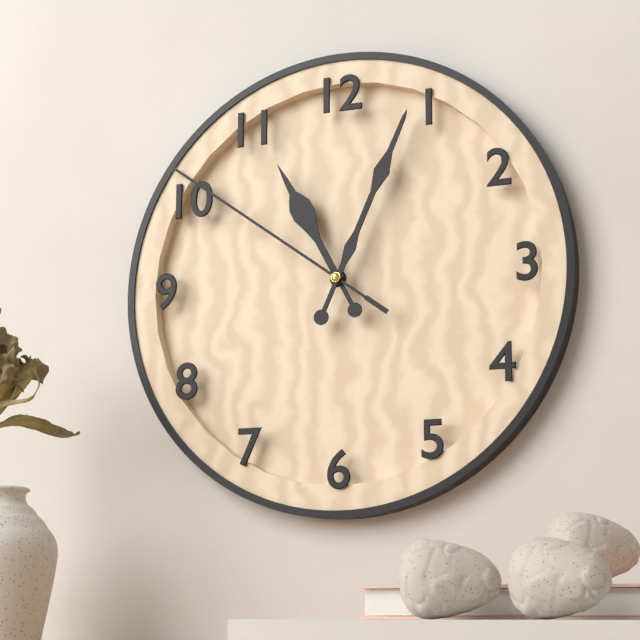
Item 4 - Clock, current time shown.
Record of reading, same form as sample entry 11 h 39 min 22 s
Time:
11 h 04 min 51 s
